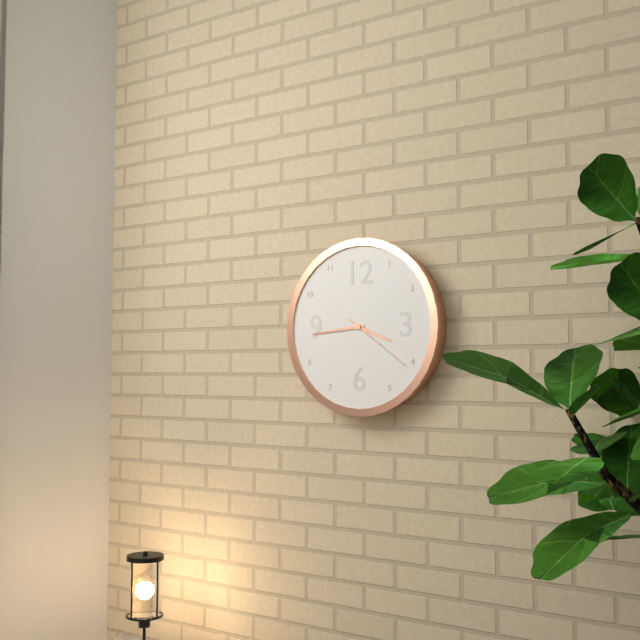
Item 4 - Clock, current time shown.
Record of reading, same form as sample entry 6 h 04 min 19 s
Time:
3 h 44 min 21 s
